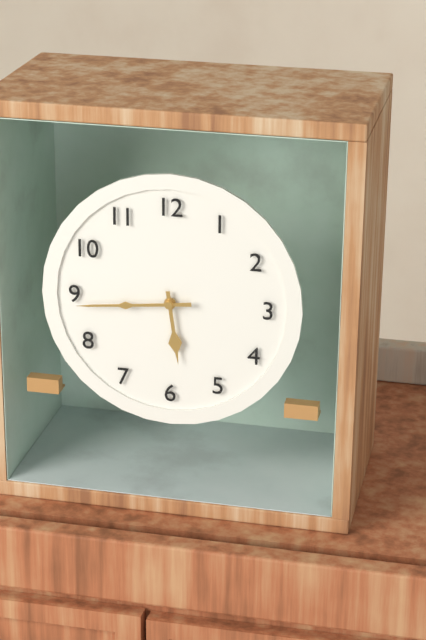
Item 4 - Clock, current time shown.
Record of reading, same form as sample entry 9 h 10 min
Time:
5 h 44 min
